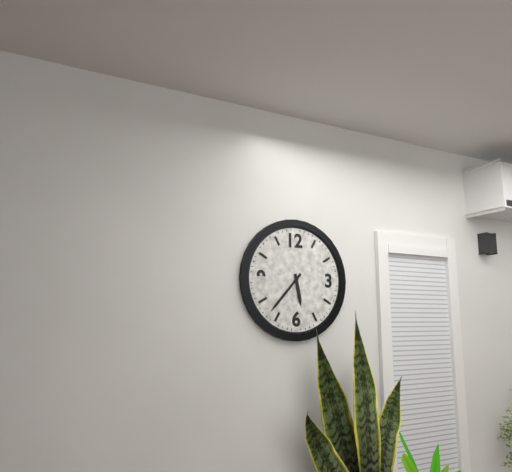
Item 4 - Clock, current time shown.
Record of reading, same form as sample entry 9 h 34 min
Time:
5 h 37 min
